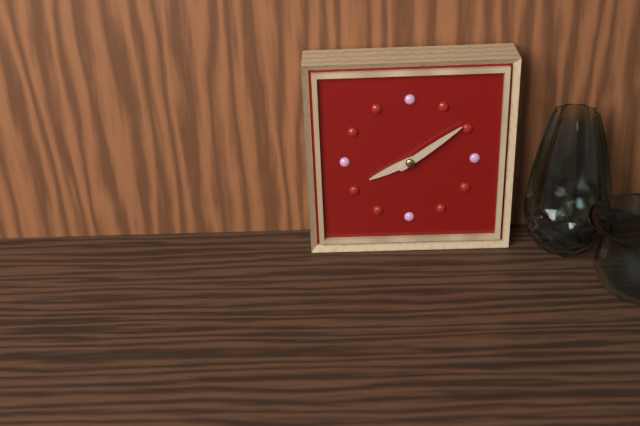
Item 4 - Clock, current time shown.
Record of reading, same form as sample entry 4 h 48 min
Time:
8 h 09 min
